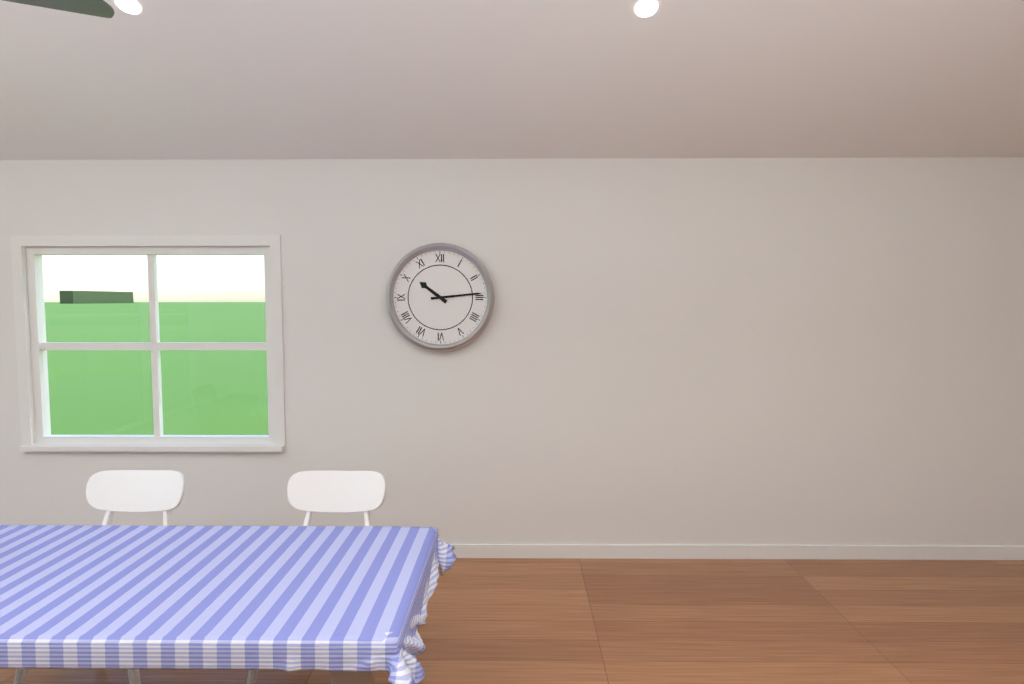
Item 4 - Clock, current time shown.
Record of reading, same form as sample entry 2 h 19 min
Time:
10 h 14 min
